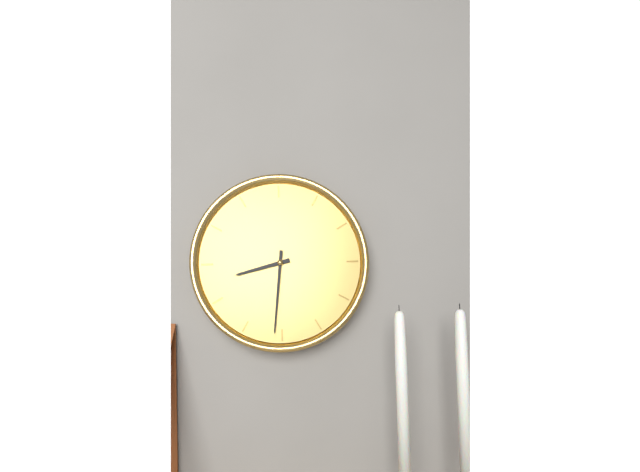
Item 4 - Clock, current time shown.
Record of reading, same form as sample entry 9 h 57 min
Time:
8 h 31 min
